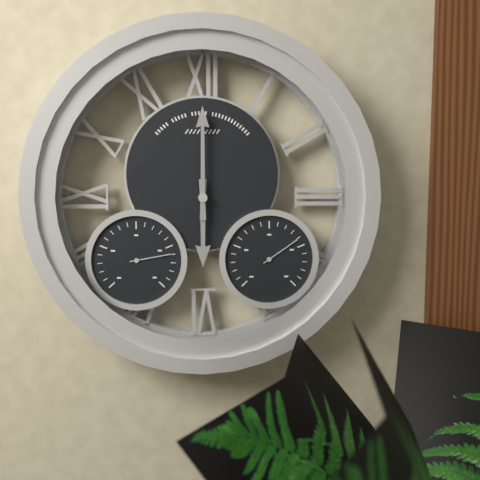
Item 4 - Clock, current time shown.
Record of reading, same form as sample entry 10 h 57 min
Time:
6 h 00 min
